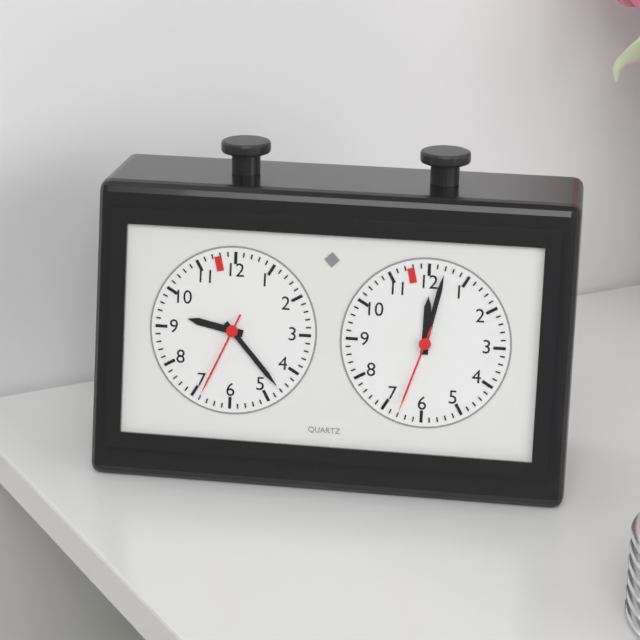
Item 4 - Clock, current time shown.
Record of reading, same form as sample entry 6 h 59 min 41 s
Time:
9 h 23 min 34 s
